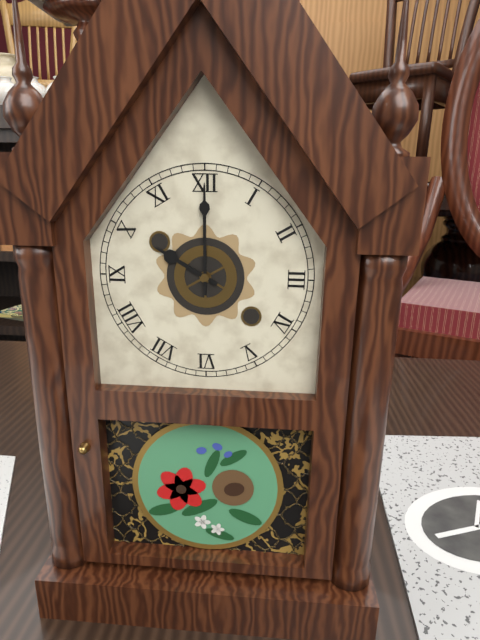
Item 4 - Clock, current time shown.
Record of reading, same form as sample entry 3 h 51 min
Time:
10 h 00 min
